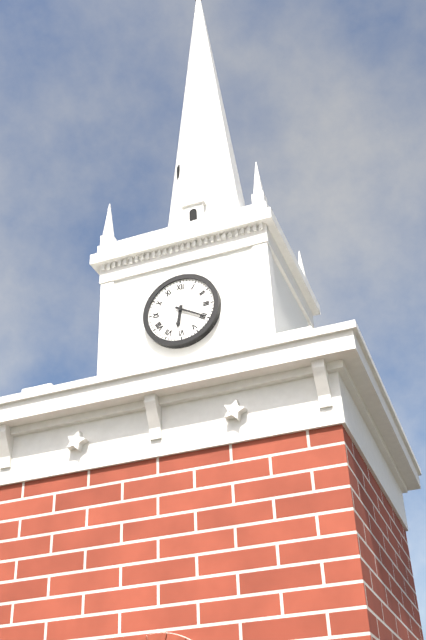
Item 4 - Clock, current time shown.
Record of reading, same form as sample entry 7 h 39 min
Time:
6 h 20 min
